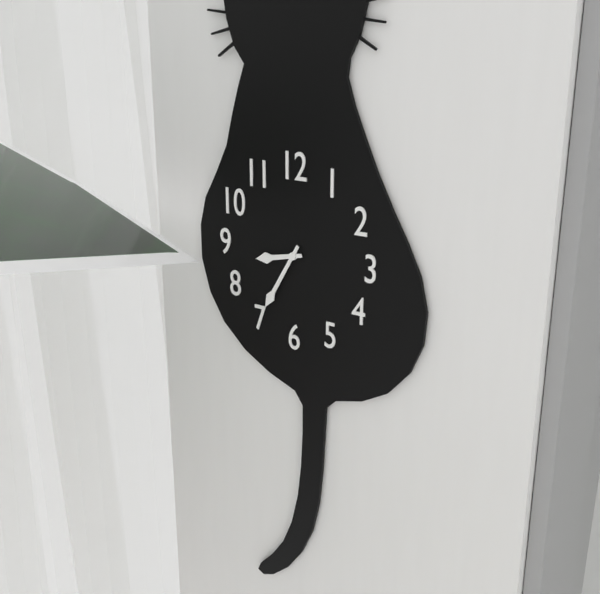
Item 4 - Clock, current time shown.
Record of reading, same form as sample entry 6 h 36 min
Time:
8 h 35 min
